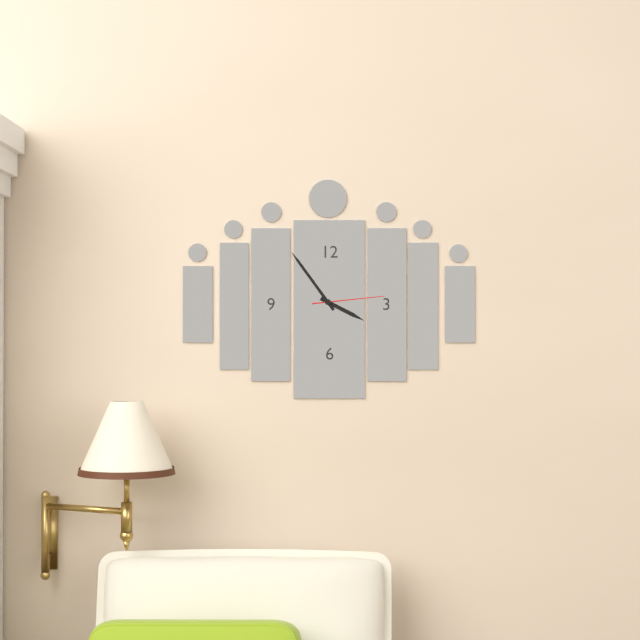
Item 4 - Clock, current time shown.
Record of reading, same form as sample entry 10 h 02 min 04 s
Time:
3 h 54 min 14 s
